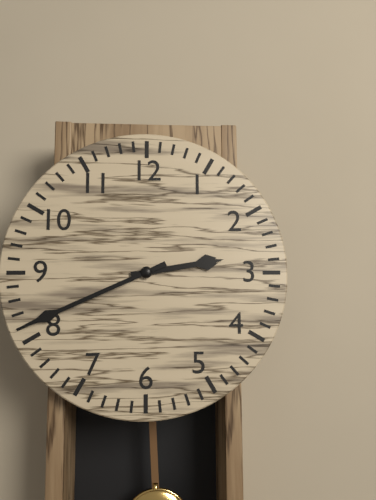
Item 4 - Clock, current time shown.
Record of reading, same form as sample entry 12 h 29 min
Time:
2 h 41 min
